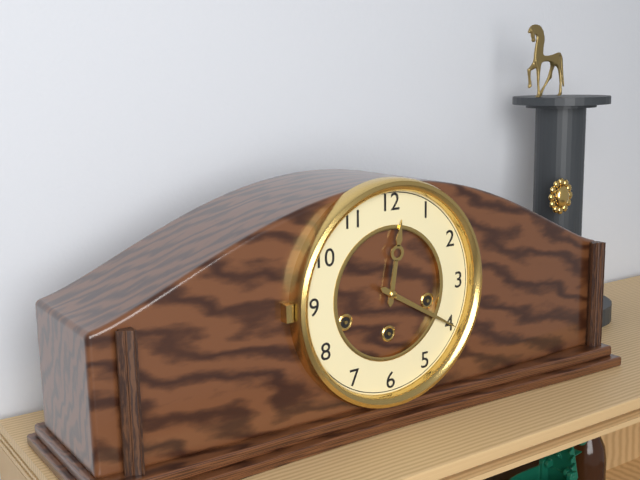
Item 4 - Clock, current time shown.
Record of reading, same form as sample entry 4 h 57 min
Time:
12 h 20 min
